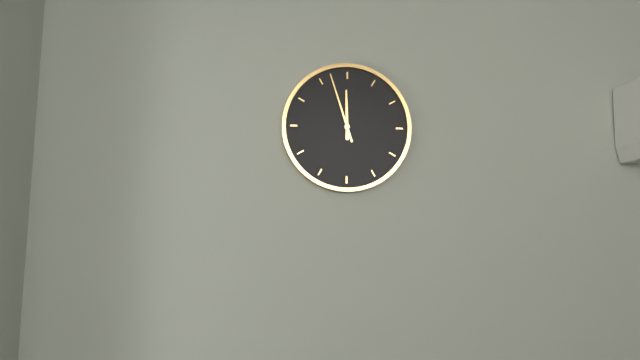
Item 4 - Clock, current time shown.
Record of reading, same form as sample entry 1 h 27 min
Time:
11 h 57 min
